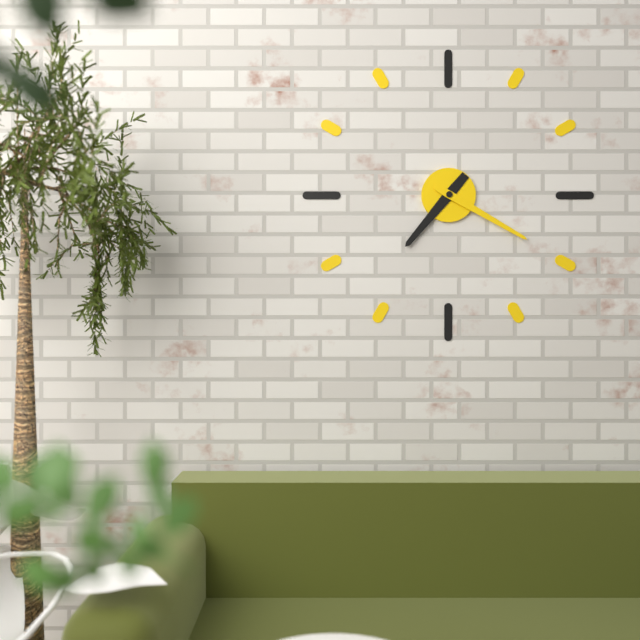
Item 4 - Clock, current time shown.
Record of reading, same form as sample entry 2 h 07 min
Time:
7 h 20 min
